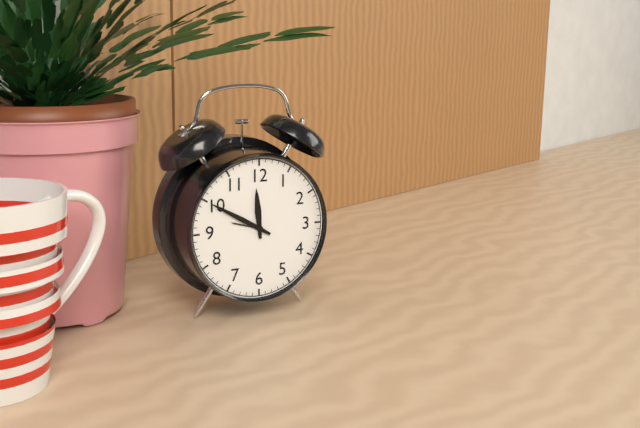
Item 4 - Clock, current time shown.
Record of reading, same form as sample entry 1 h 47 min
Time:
11 h 50 min
